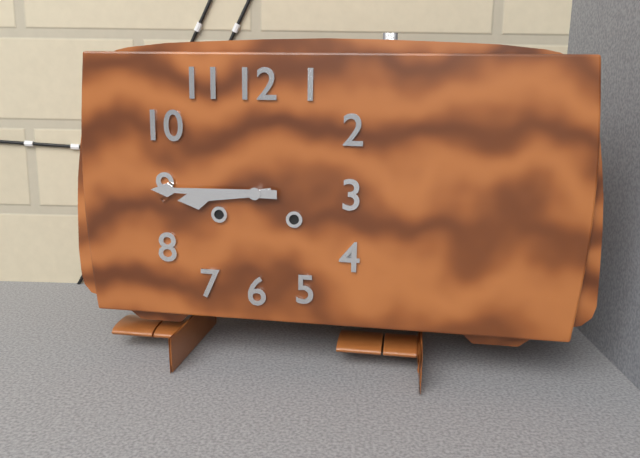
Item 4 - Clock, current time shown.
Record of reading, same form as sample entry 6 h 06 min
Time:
8 h 45 min
